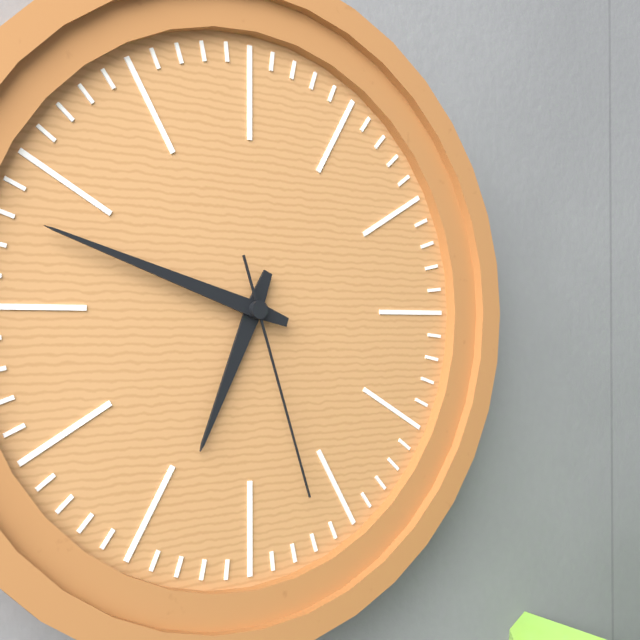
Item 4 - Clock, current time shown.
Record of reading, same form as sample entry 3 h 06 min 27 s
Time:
6 h 48 min 27 s
